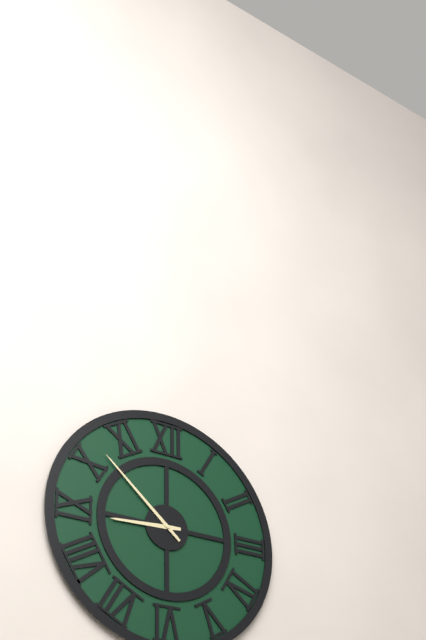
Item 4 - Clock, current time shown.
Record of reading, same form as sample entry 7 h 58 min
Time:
8 h 52 min
